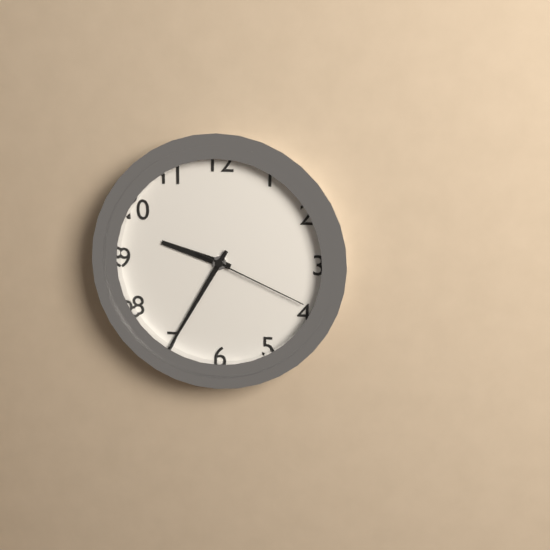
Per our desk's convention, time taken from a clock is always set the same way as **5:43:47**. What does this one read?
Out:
**9:35:19**
